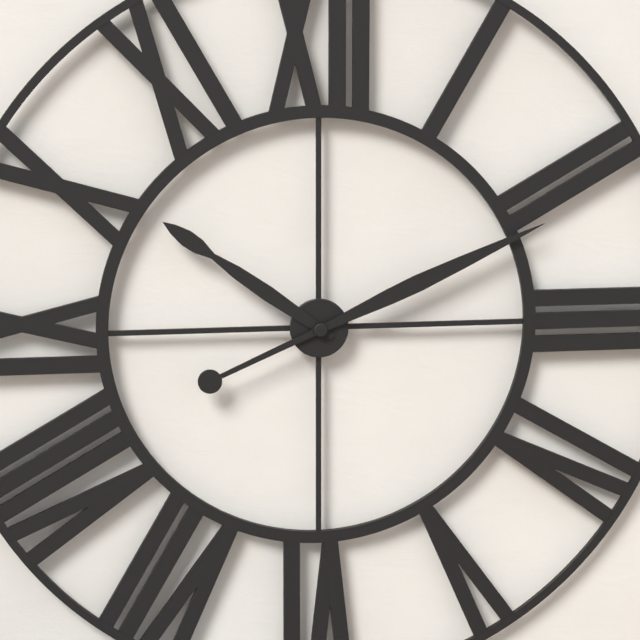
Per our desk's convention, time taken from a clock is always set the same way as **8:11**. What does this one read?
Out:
**10:11**
